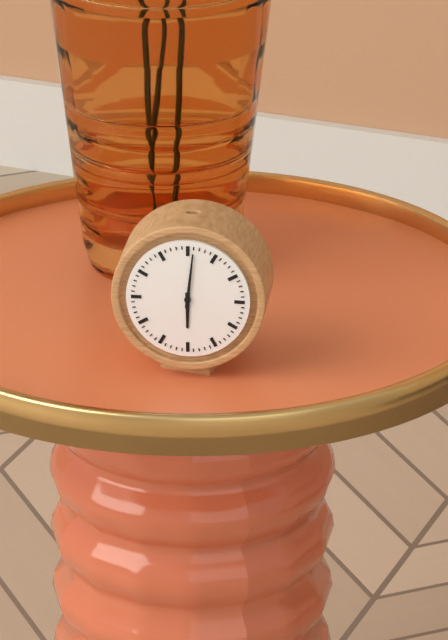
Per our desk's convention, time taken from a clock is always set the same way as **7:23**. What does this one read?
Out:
**6:01**
